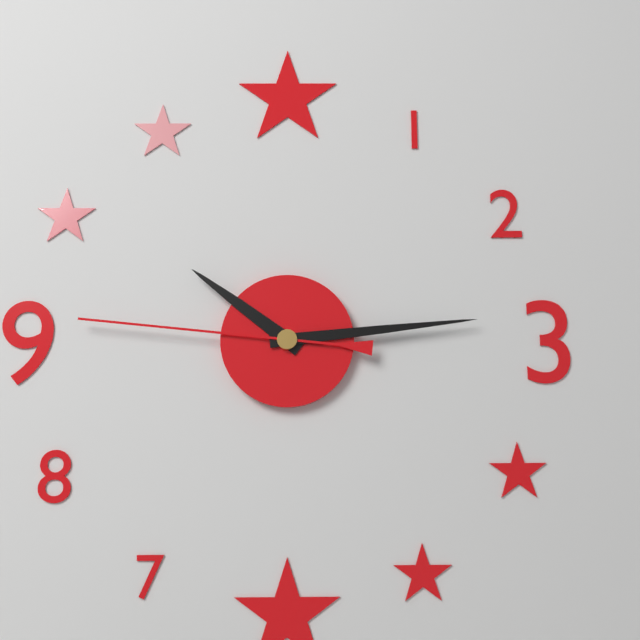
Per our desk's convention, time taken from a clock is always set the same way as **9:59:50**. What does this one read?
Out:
**10:14:46**
